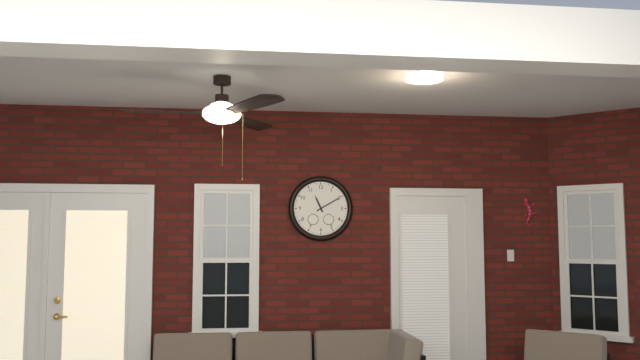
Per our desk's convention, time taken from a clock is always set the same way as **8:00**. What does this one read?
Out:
**11:10**
